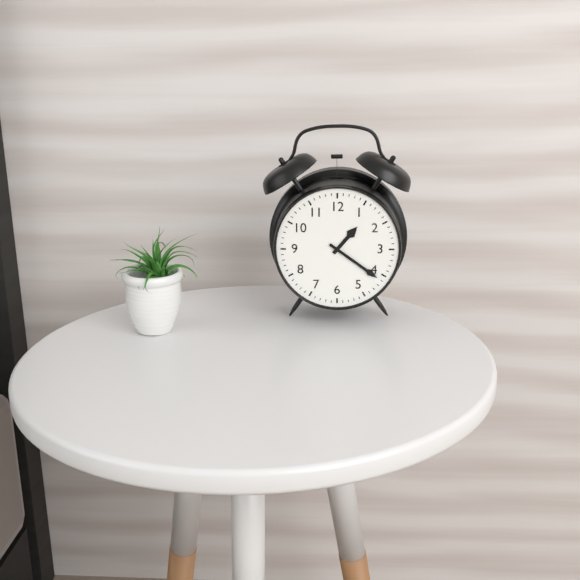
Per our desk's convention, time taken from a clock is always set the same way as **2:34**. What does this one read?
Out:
**1:21**
